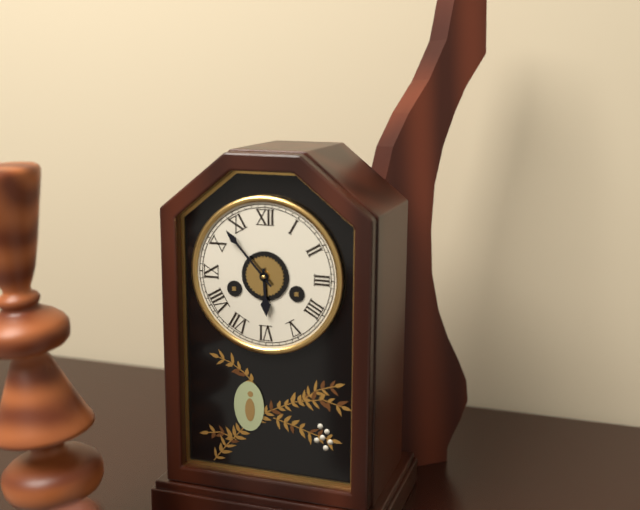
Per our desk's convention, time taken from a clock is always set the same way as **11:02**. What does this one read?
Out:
**5:53**
